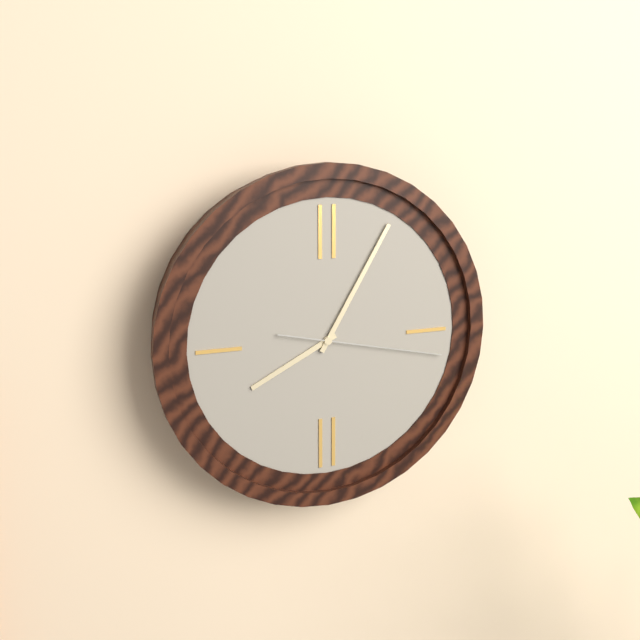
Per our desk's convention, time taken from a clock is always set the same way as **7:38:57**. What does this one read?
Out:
**8:05:17**
